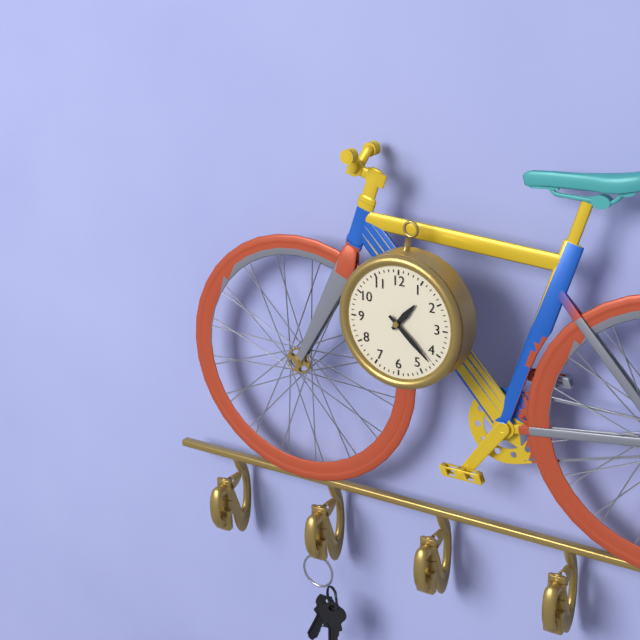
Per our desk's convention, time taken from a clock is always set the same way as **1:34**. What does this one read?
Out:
**1:22**
